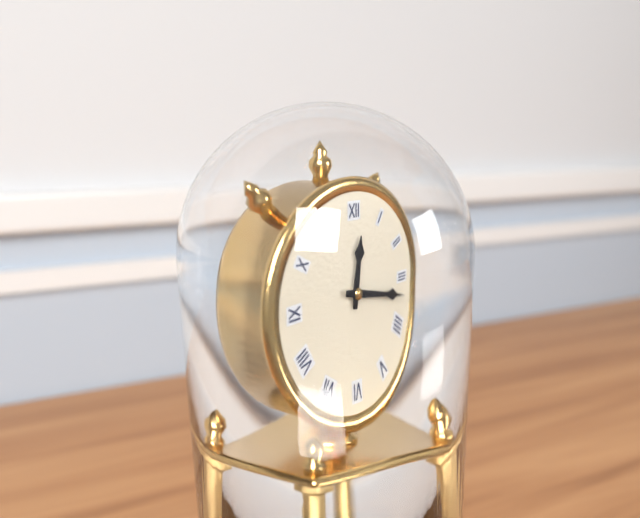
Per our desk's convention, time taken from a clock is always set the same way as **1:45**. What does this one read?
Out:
**12:17**
